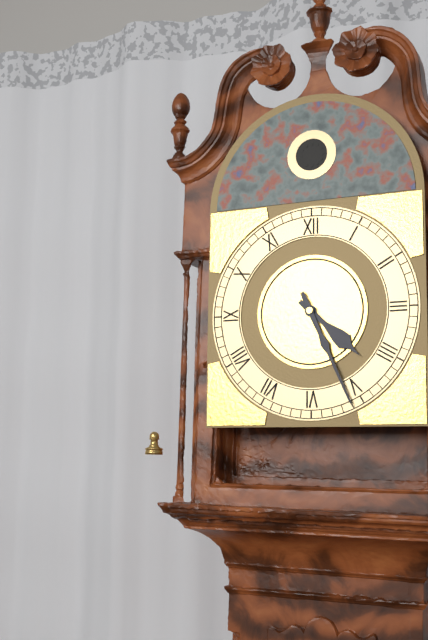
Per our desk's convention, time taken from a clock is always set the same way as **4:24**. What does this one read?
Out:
**4:26**
